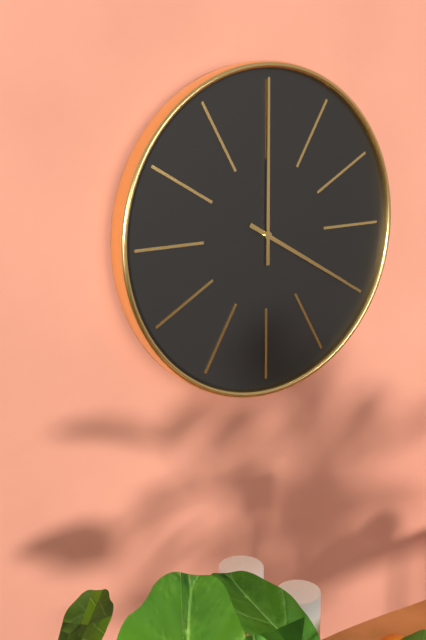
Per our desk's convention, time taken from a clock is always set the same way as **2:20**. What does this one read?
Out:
**4:00**
